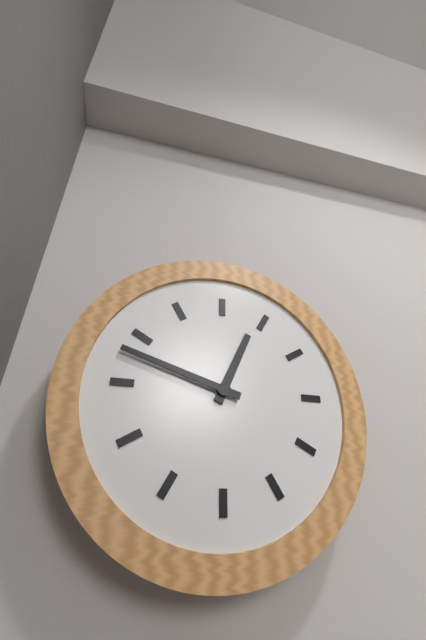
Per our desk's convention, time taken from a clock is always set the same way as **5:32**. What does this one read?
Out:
**12:48**
